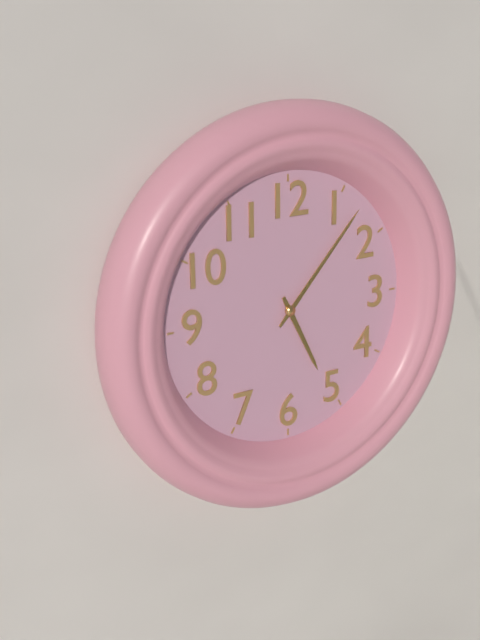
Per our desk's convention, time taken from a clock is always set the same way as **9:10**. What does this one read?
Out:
**5:07**
